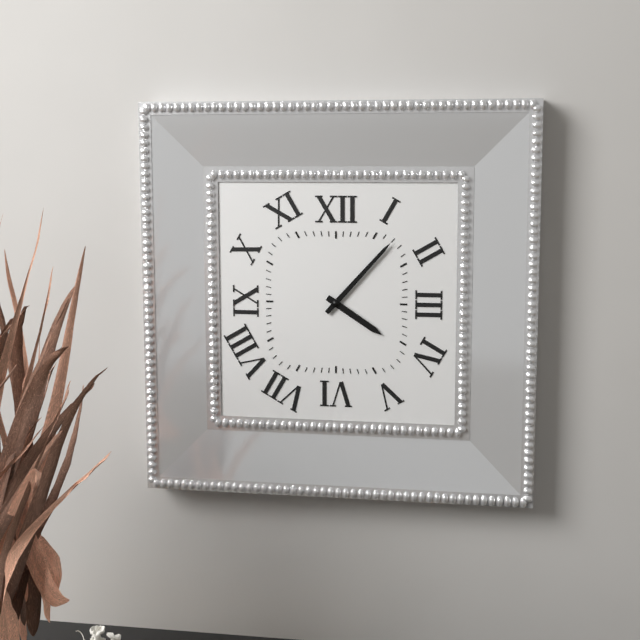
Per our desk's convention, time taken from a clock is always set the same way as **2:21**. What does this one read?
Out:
**4:07**
